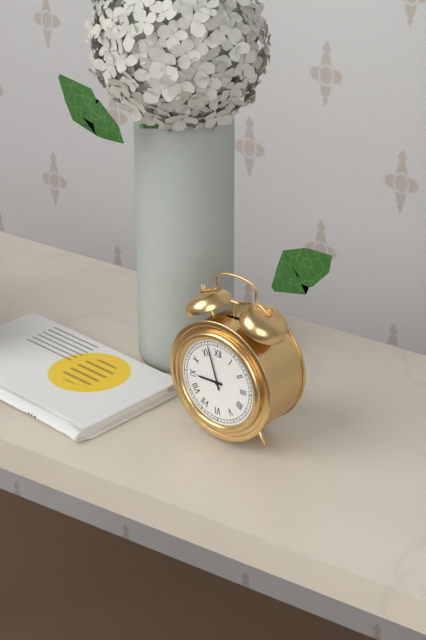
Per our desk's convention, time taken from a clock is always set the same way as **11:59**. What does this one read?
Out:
**8:57**
